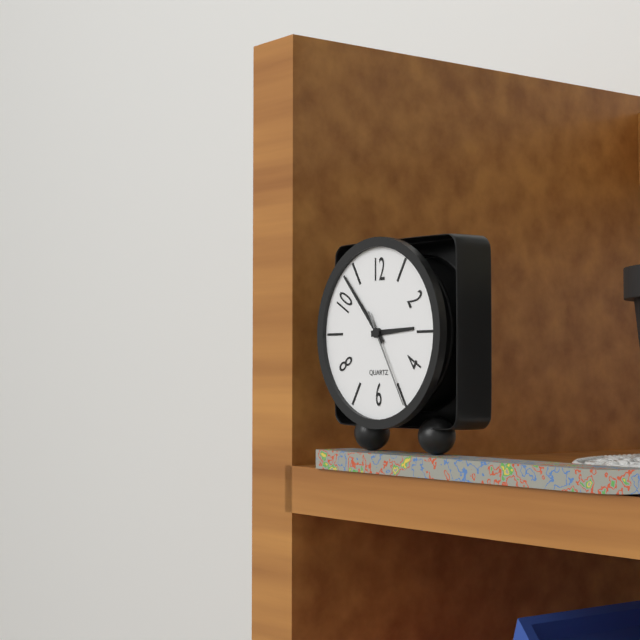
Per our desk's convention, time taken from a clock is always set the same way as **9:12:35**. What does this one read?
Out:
**2:53:25**
